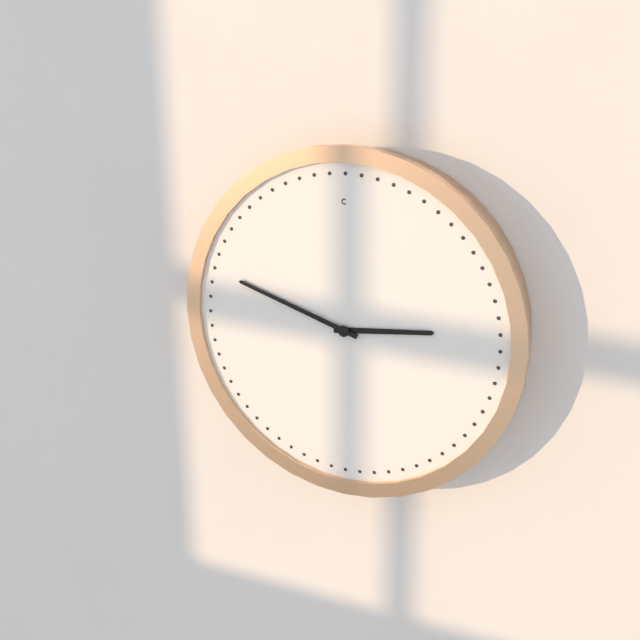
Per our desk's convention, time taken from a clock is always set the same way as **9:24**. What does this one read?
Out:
**2:48**
